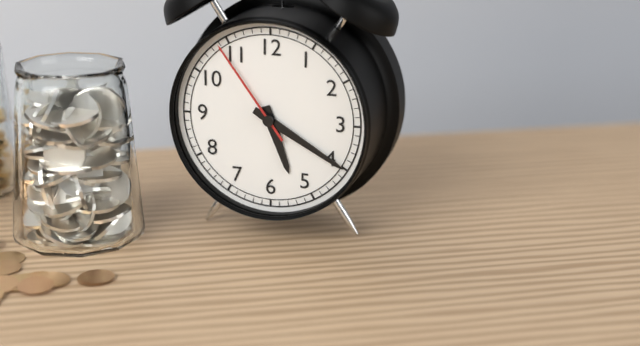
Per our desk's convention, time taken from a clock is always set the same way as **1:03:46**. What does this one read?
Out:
**5:20:54**
